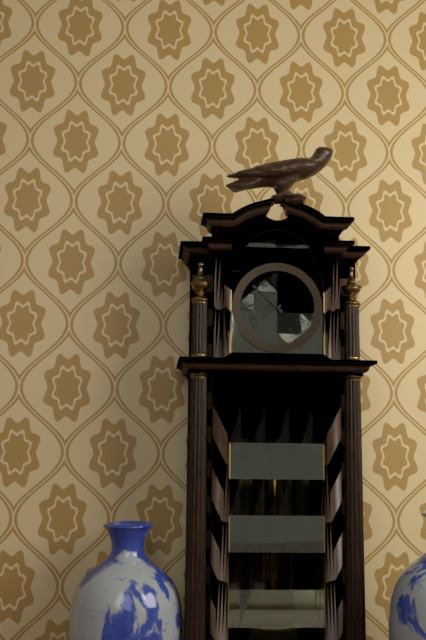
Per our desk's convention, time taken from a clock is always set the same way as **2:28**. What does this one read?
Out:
**7:52**
